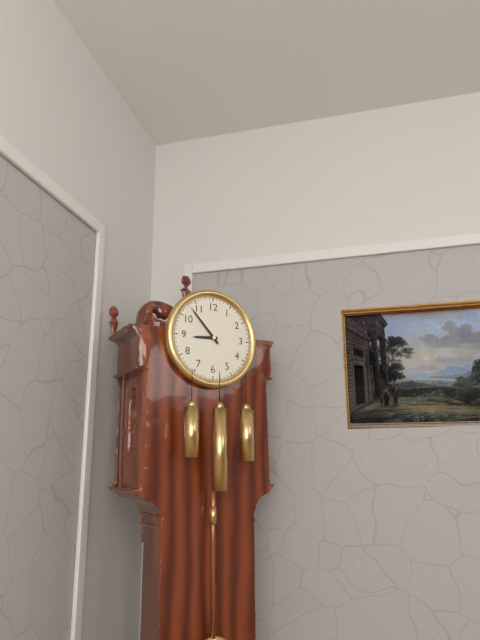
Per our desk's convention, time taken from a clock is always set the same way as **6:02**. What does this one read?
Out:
**8:53**
